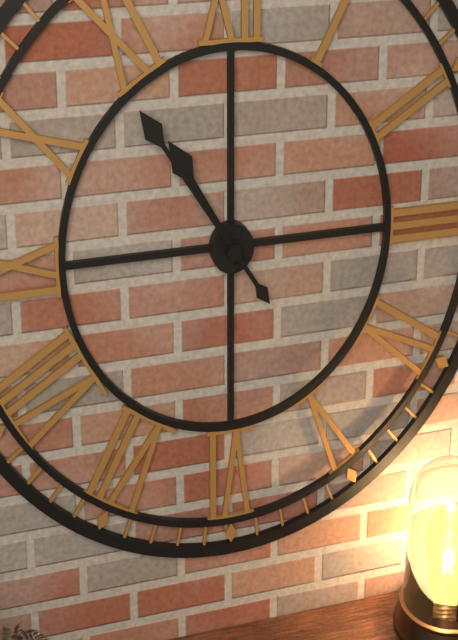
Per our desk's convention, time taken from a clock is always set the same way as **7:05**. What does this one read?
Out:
**10:54**
